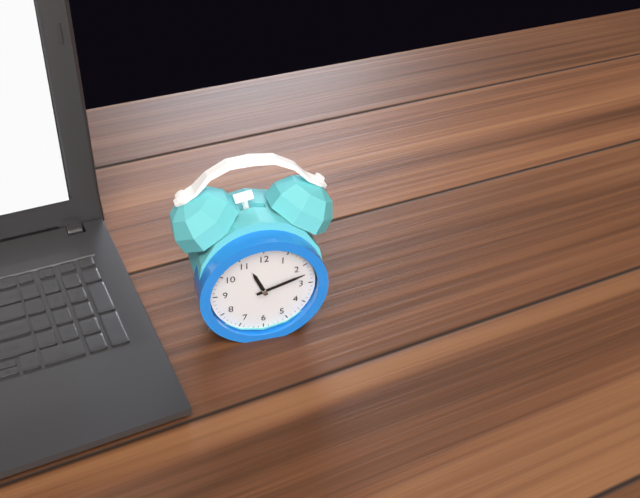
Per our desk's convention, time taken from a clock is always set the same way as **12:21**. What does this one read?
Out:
**11:12**
